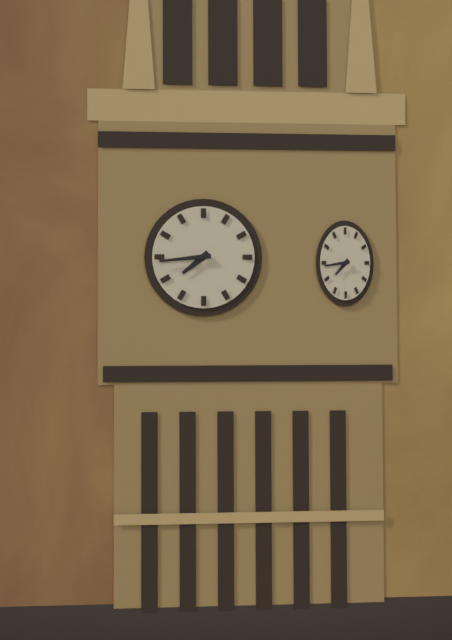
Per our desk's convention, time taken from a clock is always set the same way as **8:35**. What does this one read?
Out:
**7:44**
